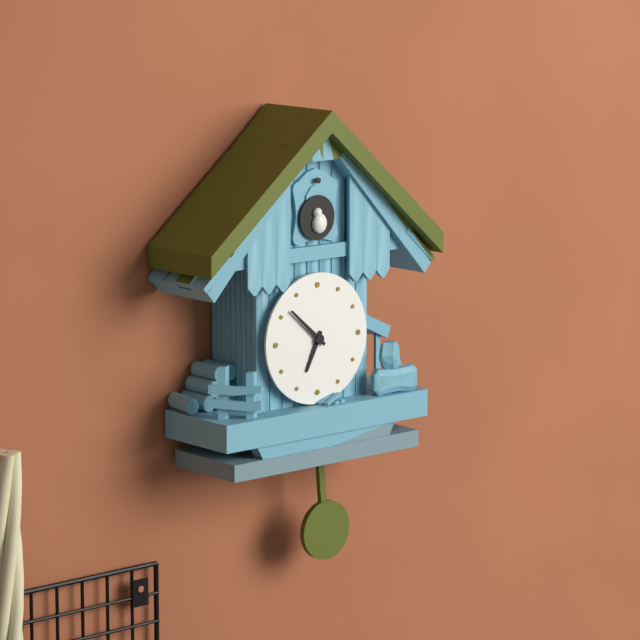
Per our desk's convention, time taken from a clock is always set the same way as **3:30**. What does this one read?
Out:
**6:52**
